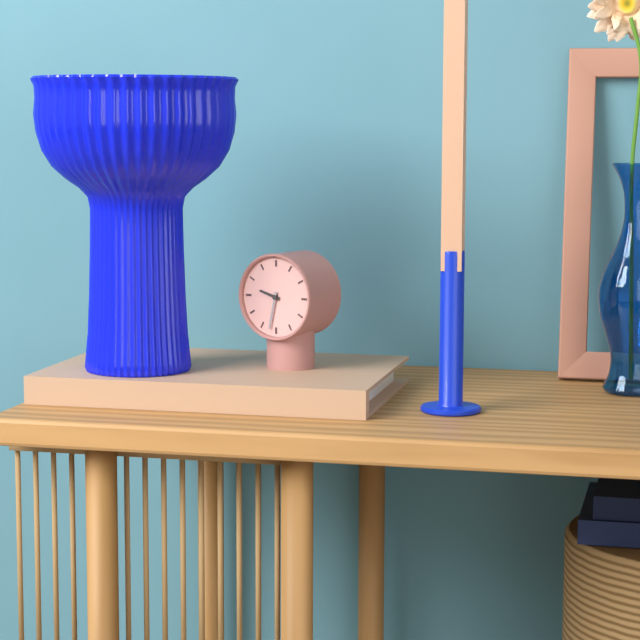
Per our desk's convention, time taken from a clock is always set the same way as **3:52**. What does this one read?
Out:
**9:32**
